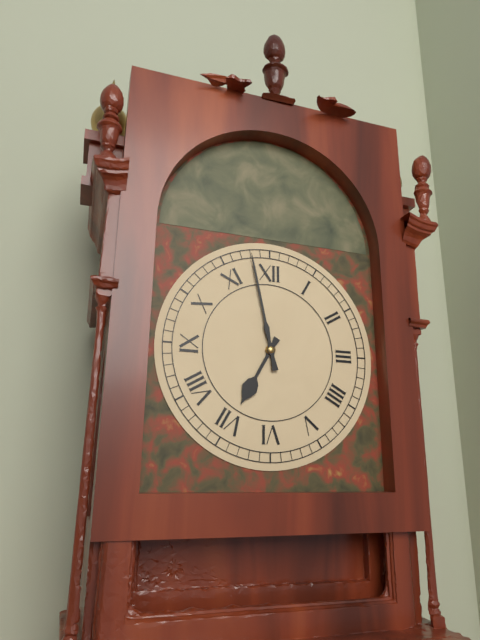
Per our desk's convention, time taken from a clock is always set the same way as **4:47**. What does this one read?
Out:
**6:58**
